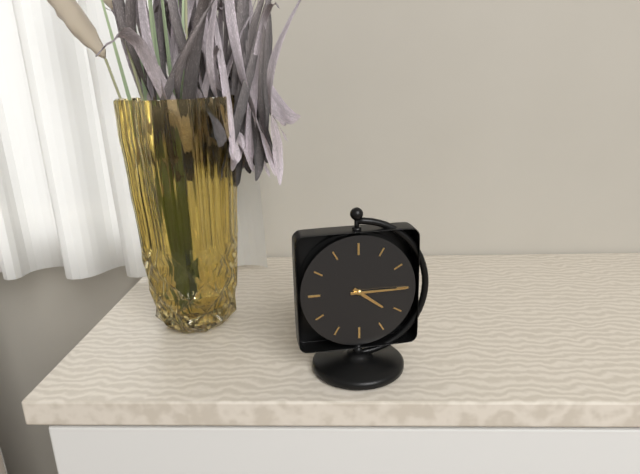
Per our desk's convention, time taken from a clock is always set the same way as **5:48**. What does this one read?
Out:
**4:15**
